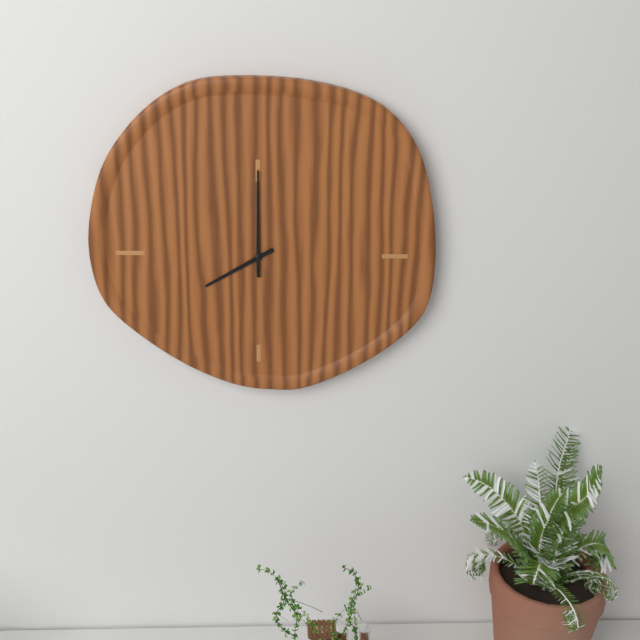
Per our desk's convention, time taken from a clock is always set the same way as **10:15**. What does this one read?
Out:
**8:00**
